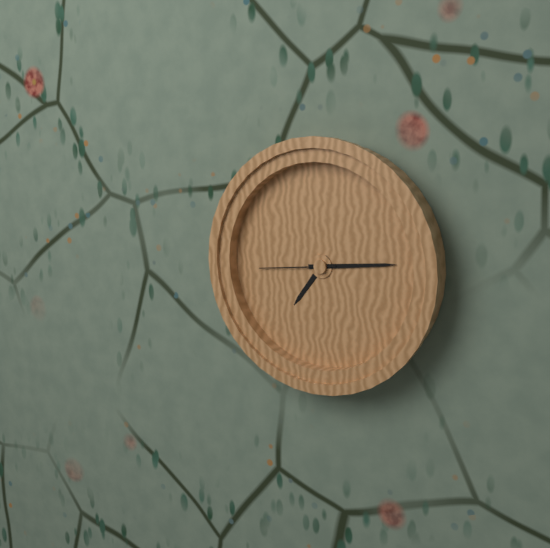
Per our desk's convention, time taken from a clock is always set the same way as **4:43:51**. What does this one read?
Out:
**7:14:44**
